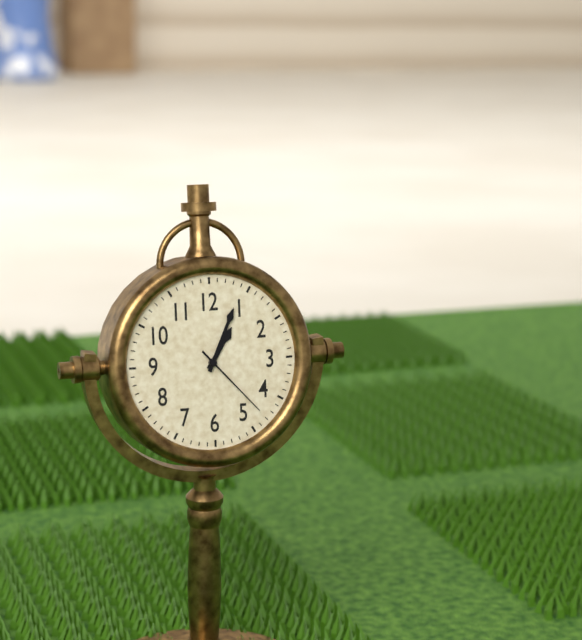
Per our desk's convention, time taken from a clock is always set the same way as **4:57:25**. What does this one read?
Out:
**1:04:23**
